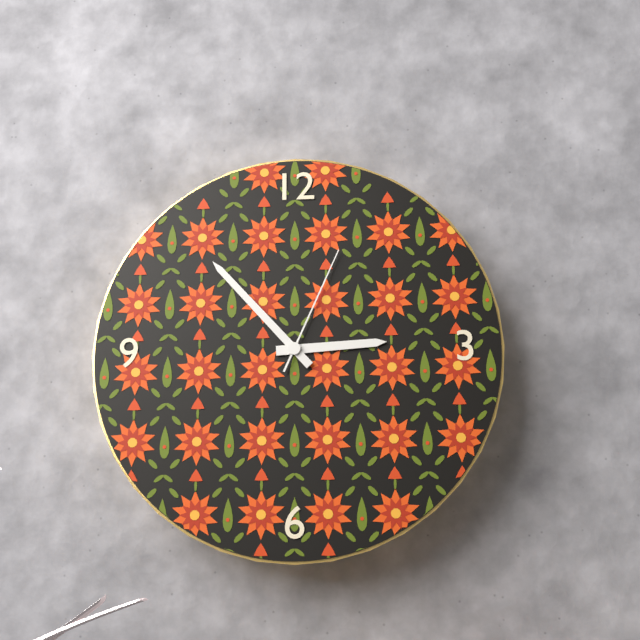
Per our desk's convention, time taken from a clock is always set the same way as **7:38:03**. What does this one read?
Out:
**2:53:04**
